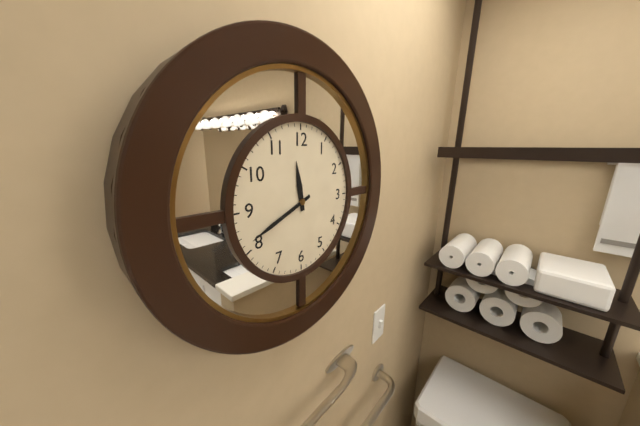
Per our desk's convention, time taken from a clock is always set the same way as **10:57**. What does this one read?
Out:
**11:41**
